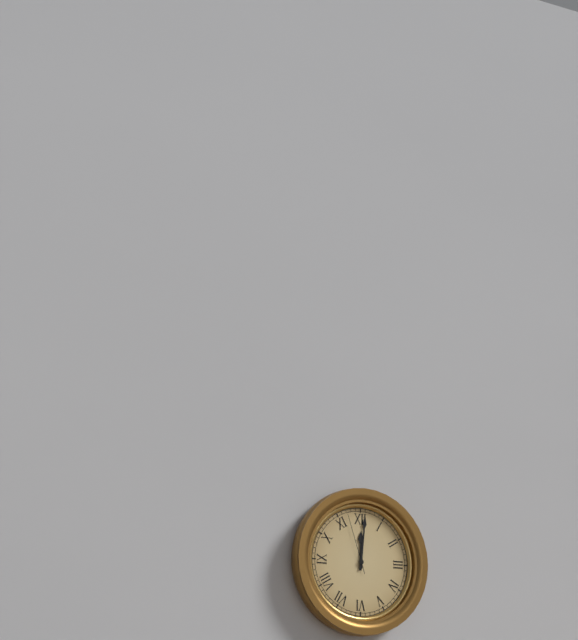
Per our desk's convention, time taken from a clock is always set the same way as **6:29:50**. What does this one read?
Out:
**12:01:57**
